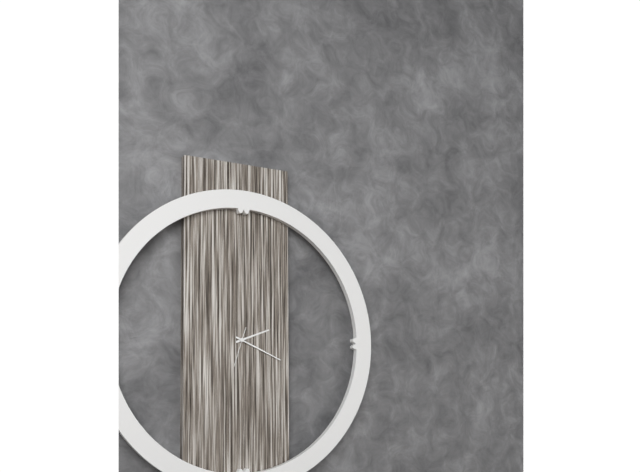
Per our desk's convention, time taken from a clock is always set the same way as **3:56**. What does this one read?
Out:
**2:19**
